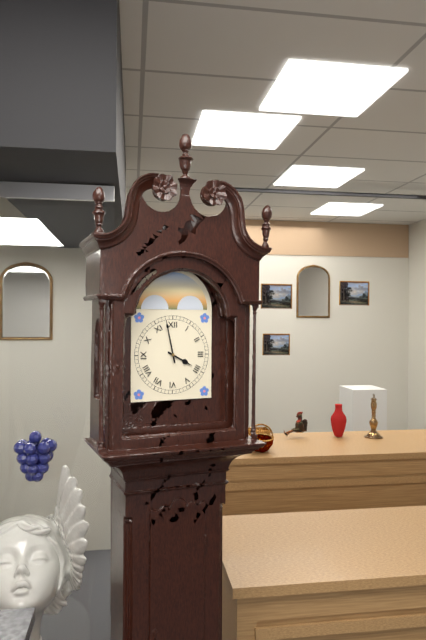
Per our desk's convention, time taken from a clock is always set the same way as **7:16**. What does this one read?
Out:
**3:58**
